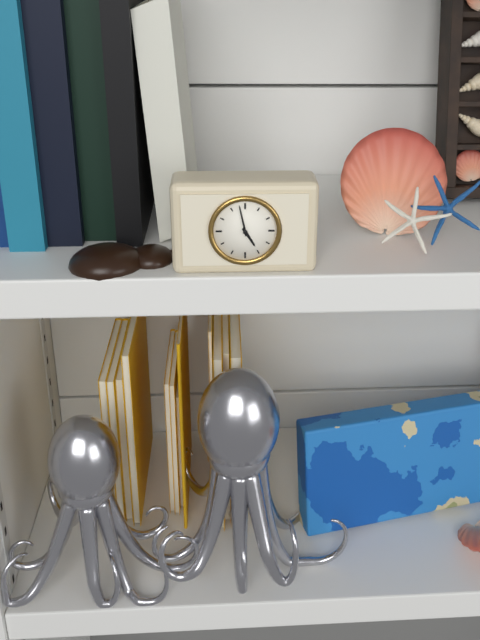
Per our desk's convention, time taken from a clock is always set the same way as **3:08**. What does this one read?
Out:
**4:58**
